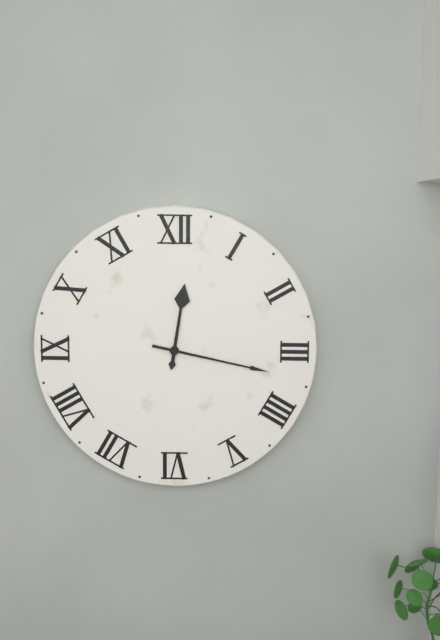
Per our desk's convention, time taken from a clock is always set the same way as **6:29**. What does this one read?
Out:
**12:17**
